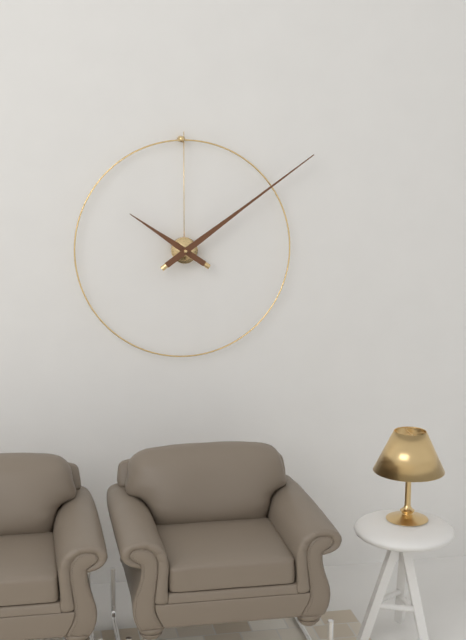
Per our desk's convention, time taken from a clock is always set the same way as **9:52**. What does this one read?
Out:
**10:09**
